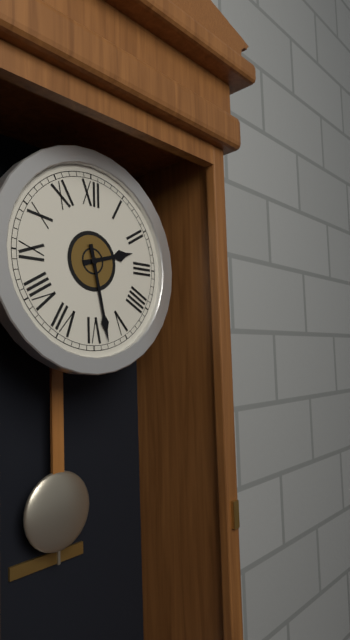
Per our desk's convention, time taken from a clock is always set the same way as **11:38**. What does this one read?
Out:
**2:28**
